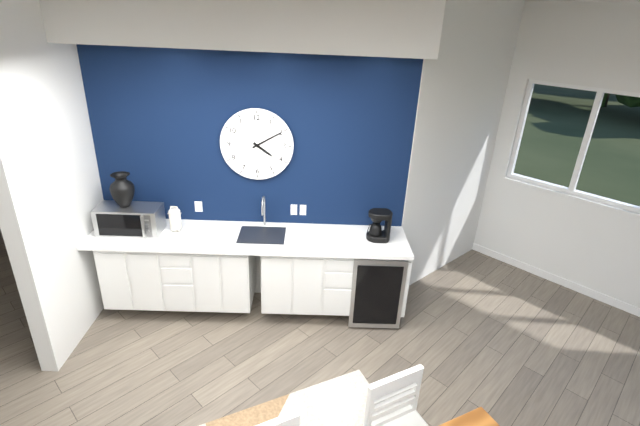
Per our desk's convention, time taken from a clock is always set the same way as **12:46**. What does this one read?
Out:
**4:10**
